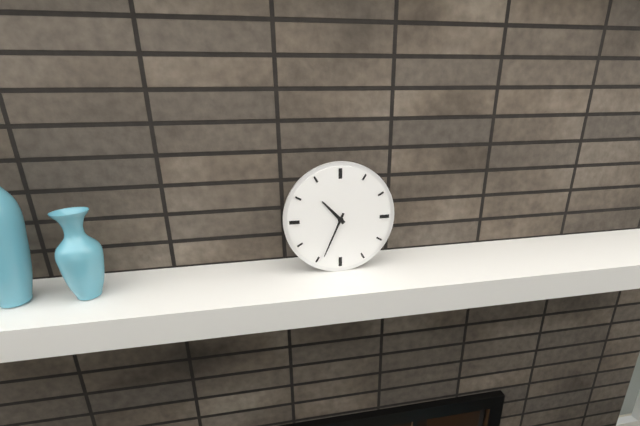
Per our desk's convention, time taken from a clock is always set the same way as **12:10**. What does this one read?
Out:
**10:34**
